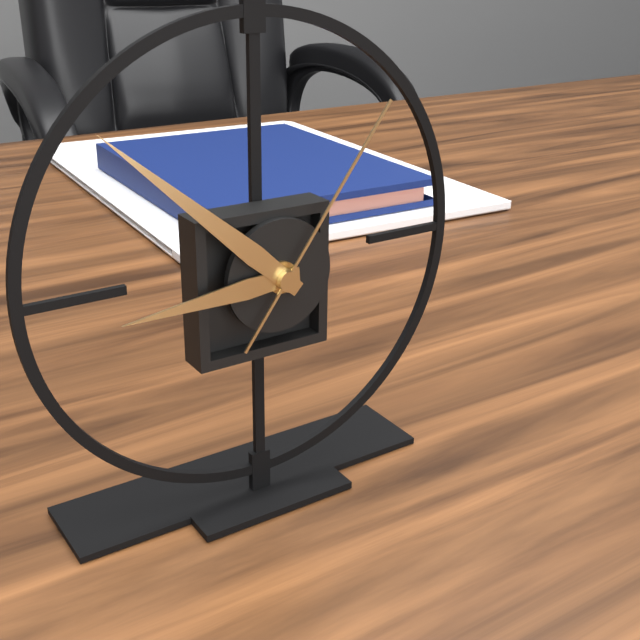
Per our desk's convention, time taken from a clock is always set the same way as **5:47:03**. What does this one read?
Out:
**8:52:06**
